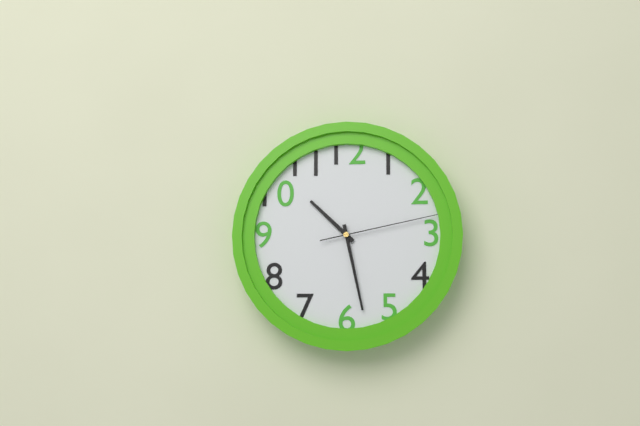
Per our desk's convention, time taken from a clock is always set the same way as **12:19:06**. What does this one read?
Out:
**10:28:13**
